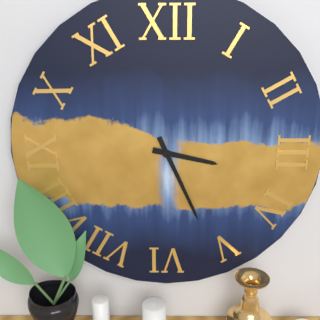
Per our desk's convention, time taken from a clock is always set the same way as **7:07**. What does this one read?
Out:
**3:26**
